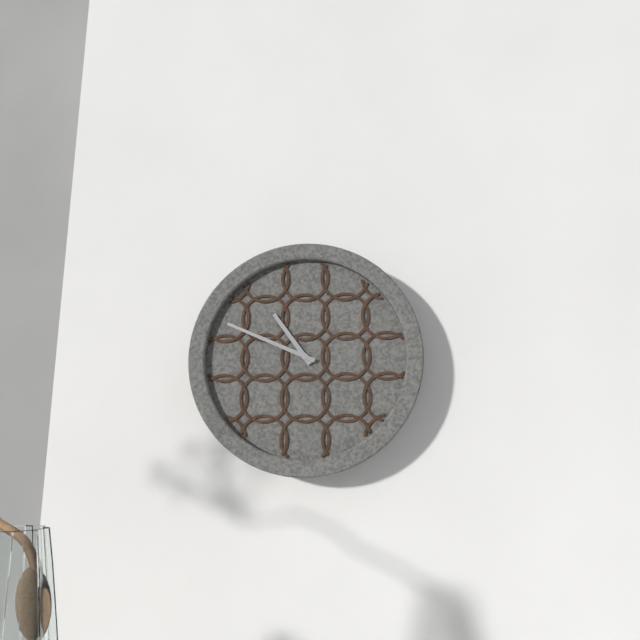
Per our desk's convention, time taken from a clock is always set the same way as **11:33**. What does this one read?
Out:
**10:49**
